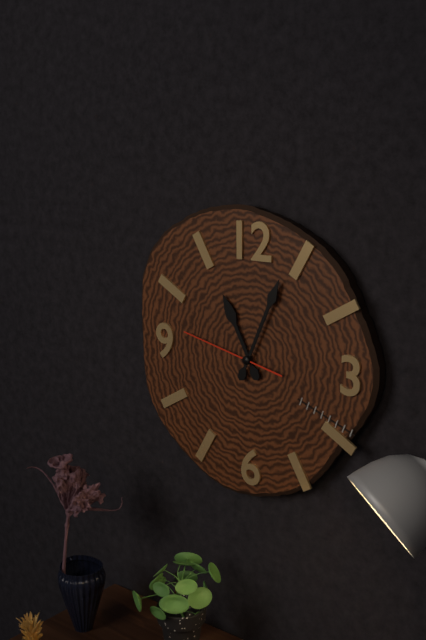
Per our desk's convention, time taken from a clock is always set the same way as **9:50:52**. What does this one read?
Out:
**11:04:47**
